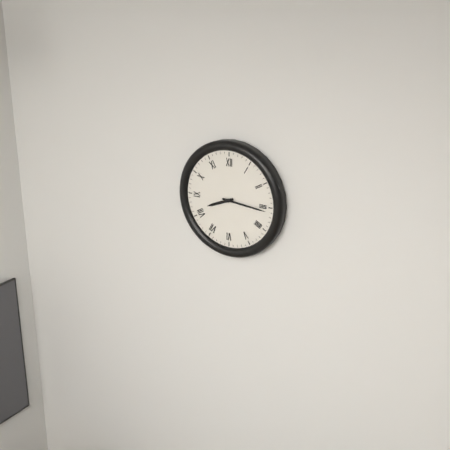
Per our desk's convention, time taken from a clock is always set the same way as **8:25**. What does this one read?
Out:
**8:16**
